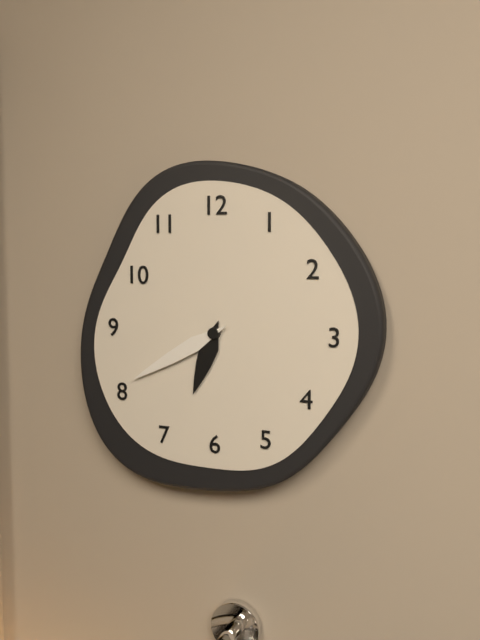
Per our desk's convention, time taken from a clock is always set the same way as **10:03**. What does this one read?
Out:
**6:40**
